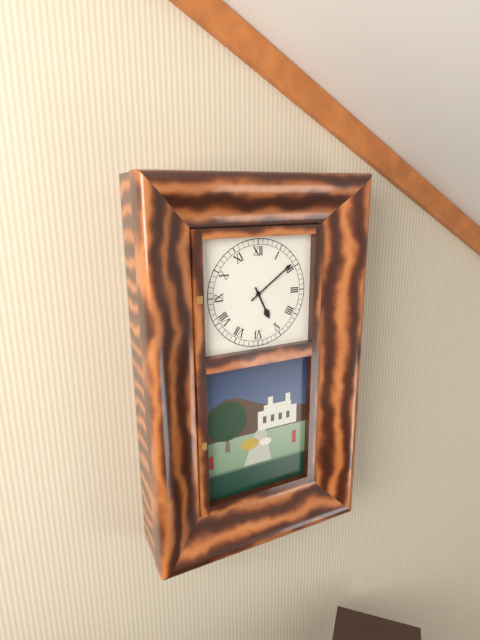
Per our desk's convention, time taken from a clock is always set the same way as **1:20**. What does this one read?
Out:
**5:09**
